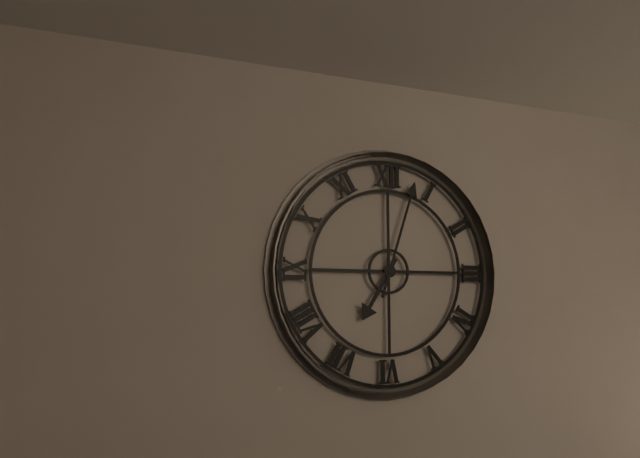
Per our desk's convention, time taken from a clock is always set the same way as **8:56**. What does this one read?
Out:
**7:03**
